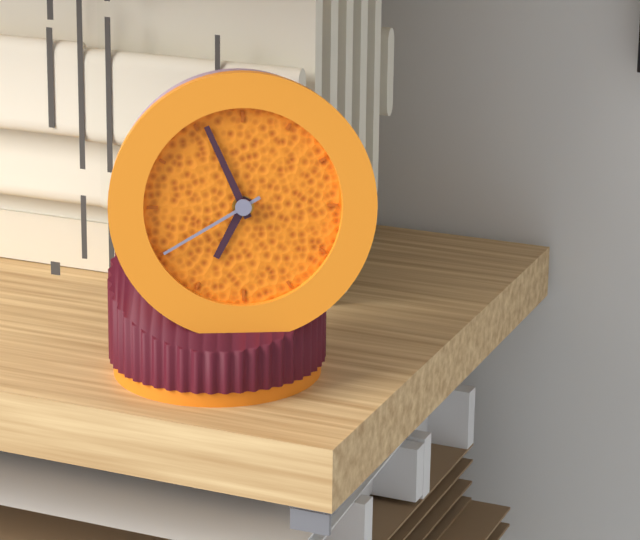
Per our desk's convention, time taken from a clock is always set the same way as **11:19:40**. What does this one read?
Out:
**6:56:40**
